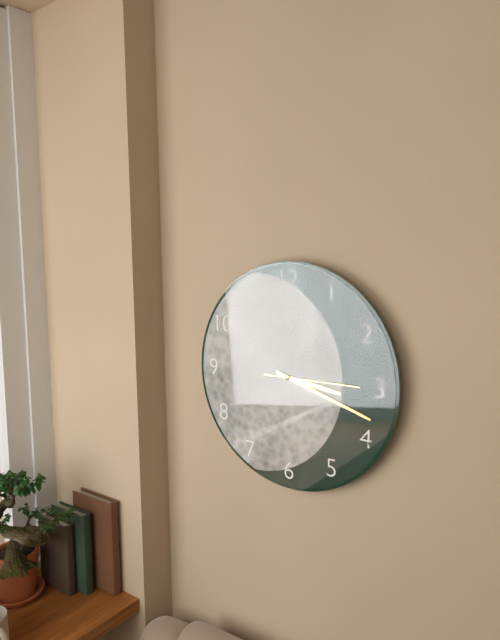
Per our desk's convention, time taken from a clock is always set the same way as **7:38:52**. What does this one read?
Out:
**3:18:15**
